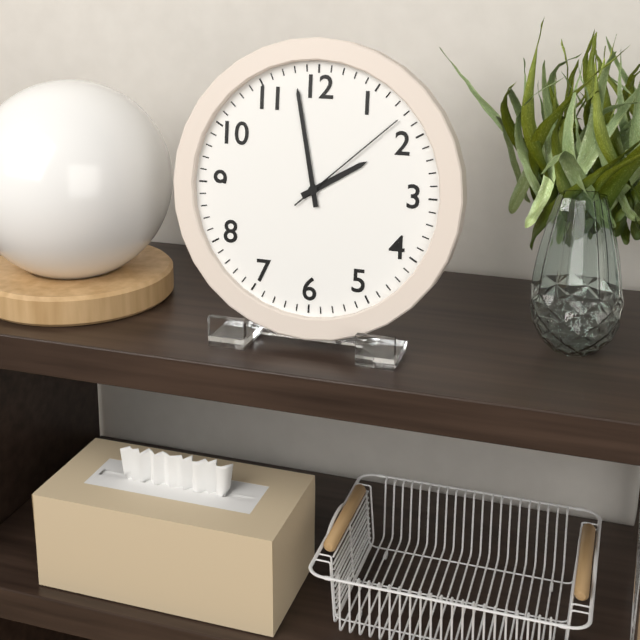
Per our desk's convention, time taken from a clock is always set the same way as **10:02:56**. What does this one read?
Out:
**1:58:08**
